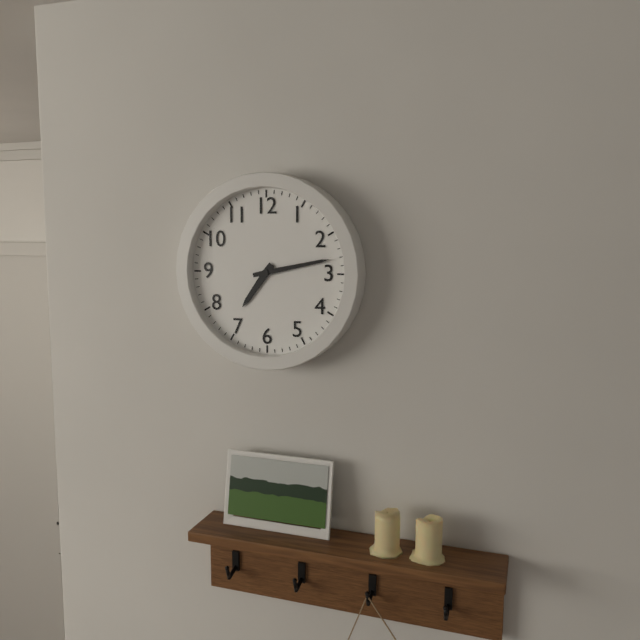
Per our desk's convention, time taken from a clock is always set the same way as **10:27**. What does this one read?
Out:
**7:13**
